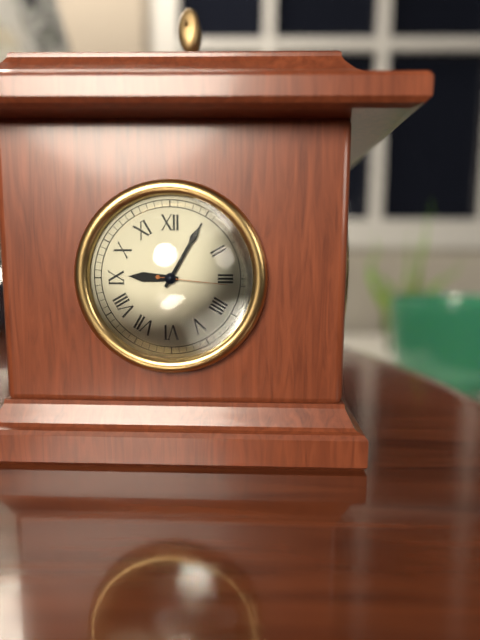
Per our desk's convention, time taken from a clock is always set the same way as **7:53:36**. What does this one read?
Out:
**9:05:16**
